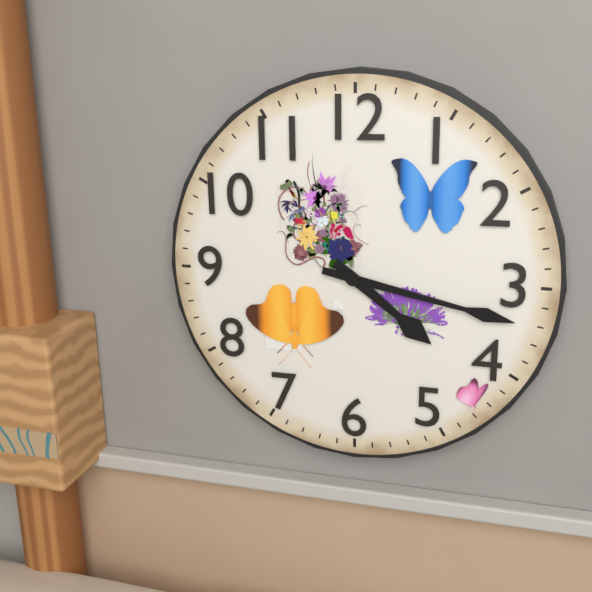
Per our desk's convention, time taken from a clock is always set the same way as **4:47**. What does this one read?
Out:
**4:17**
